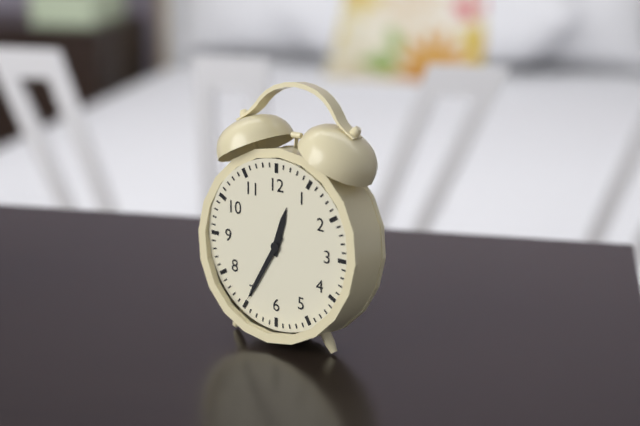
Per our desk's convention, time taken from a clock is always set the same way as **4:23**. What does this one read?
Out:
**12:35**
